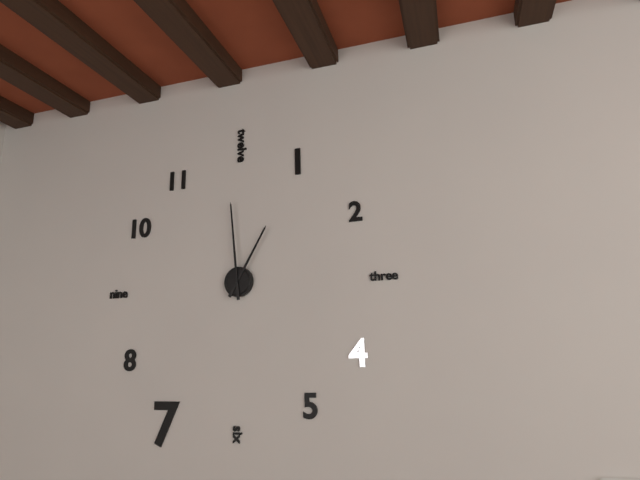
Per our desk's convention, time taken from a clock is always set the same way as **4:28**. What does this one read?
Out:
**12:59**
